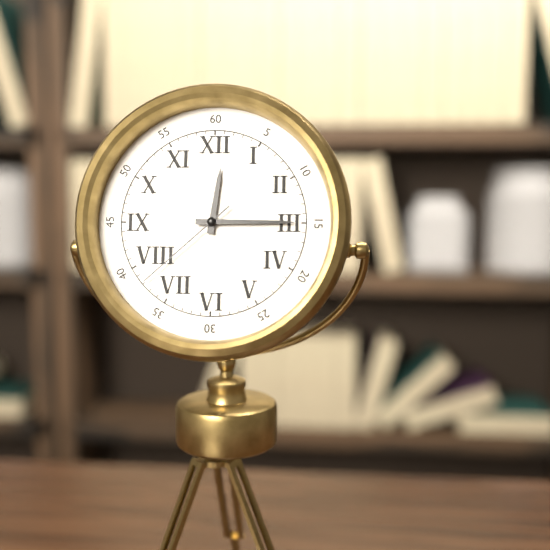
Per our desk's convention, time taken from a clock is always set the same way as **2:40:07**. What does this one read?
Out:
**12:15:38**
